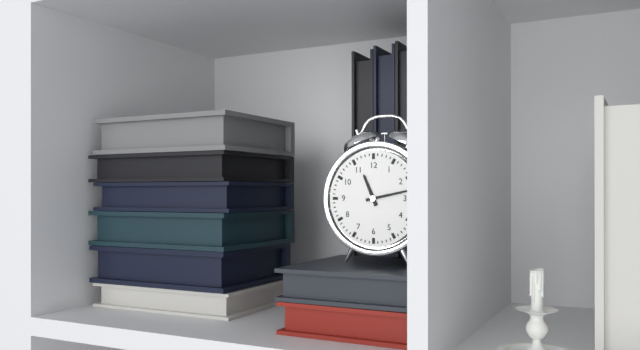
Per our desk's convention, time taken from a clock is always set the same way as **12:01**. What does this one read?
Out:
**11:13**
